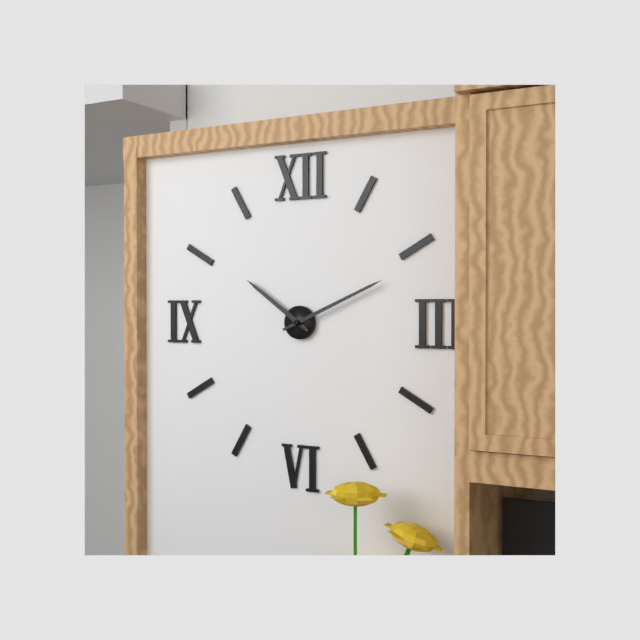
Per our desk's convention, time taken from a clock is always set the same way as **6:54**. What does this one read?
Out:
**10:11**
